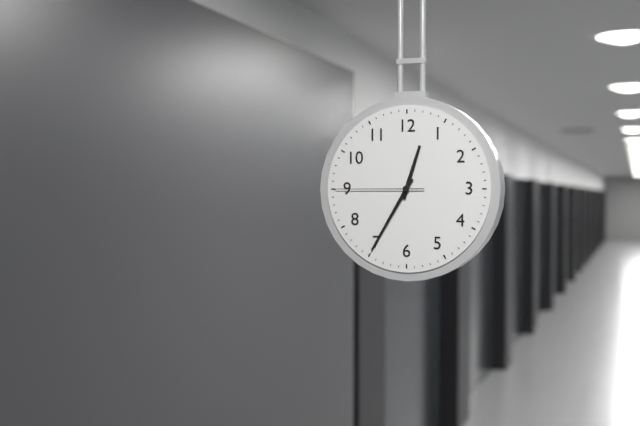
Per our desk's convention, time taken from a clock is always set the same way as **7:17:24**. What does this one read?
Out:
**12:35:45**
